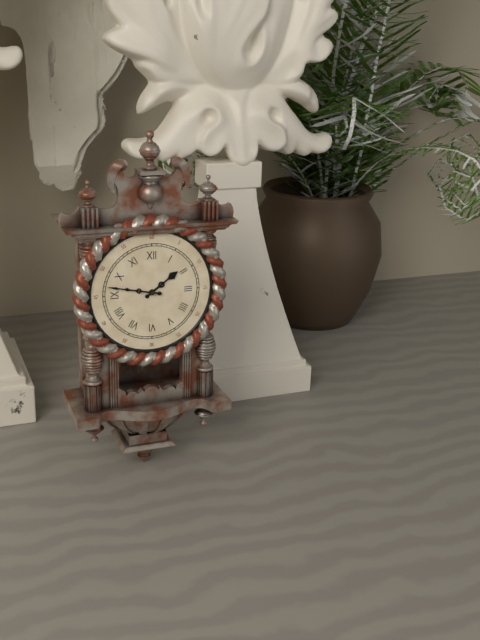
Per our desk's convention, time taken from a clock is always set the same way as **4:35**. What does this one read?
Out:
**1:47**
